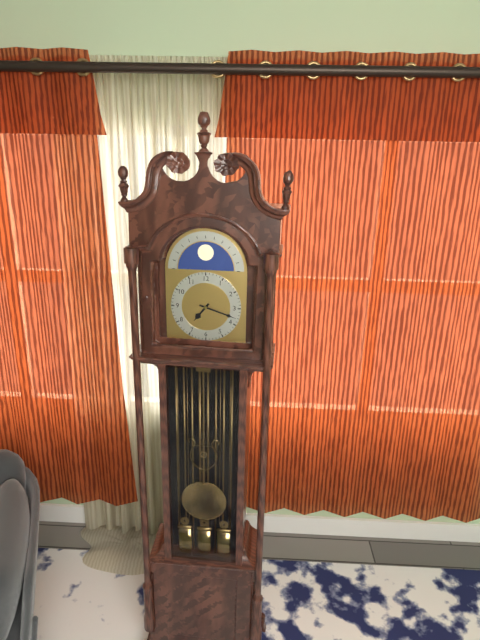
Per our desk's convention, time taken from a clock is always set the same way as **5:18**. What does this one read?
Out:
**7:18**
